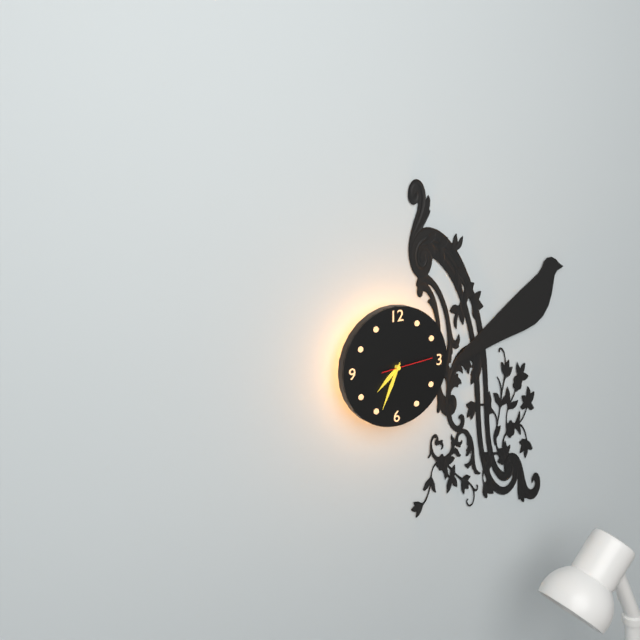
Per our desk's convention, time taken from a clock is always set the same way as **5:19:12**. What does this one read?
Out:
**7:34:14**
